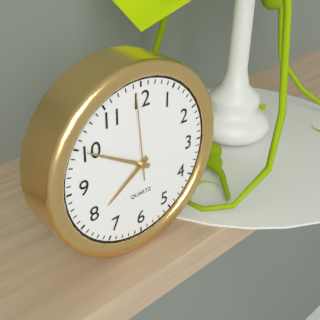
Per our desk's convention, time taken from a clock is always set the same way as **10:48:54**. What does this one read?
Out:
**7:50:59**
